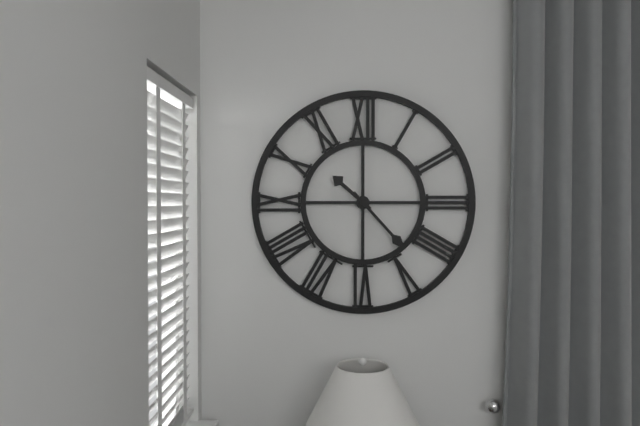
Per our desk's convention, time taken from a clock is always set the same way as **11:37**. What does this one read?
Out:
**10:23**
